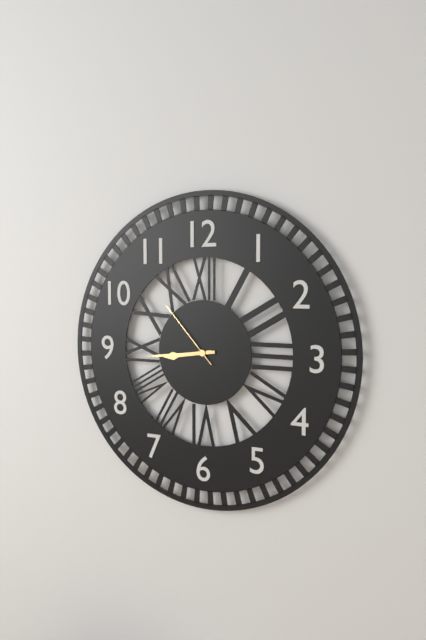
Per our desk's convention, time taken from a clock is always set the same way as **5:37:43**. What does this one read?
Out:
**8:44:53**
